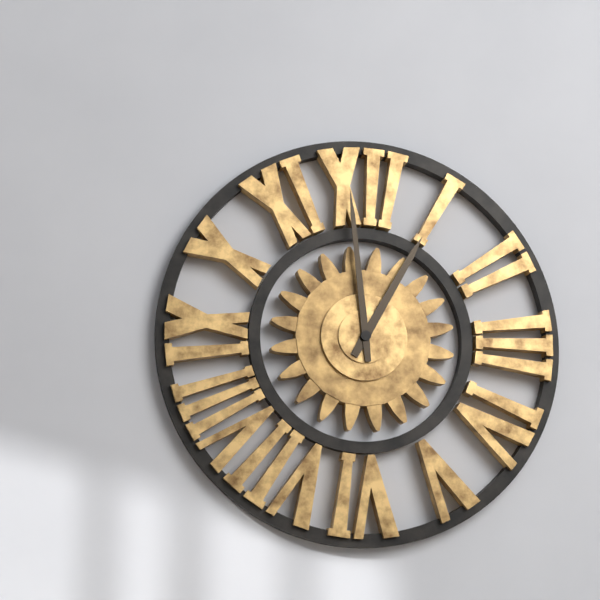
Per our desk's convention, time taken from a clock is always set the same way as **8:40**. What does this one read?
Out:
**12:59**
